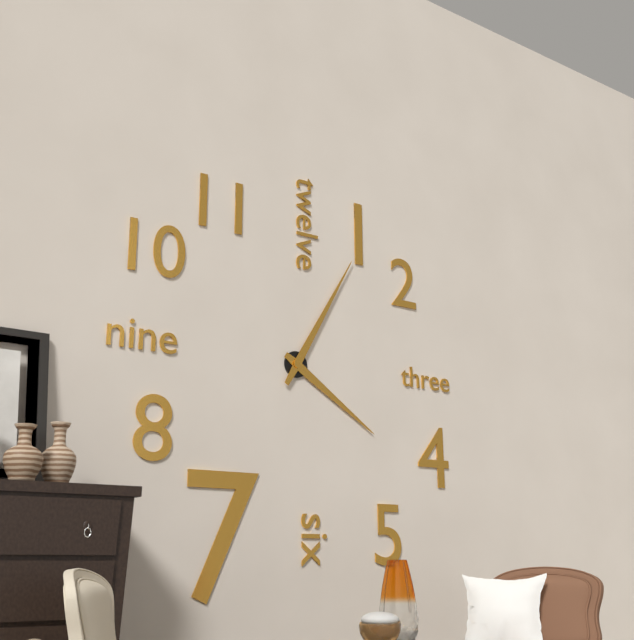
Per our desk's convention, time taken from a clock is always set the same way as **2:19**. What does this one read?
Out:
**4:05**
